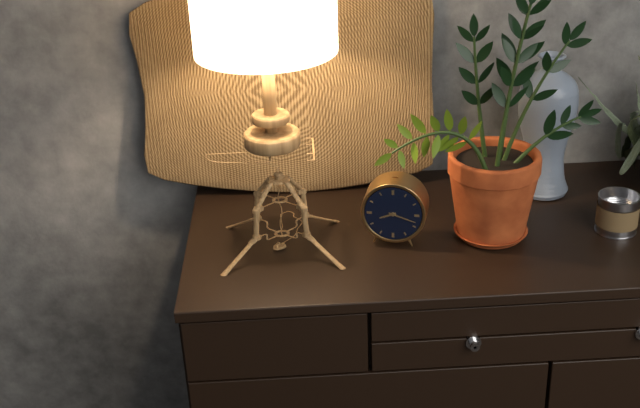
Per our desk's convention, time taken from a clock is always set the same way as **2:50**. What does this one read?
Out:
**8:18**
